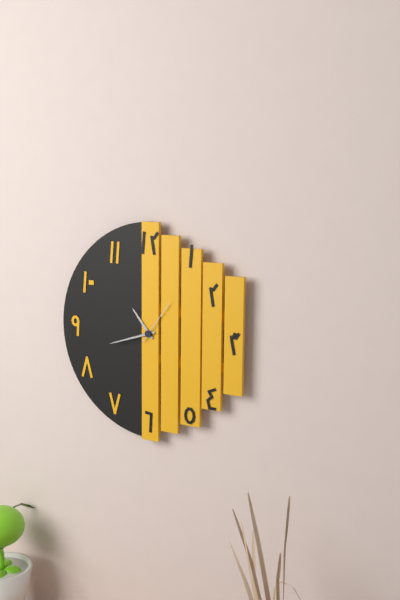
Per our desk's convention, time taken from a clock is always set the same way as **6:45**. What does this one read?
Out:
**10:42**
